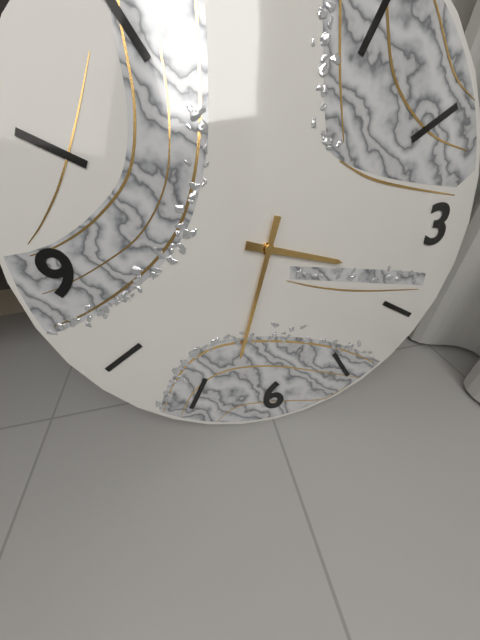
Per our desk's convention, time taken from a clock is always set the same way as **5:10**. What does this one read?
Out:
**3:33**
